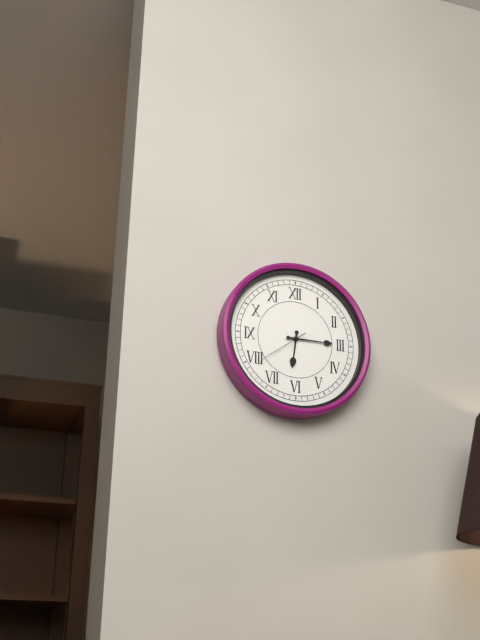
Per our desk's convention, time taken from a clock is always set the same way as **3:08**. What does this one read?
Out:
**6:15**
